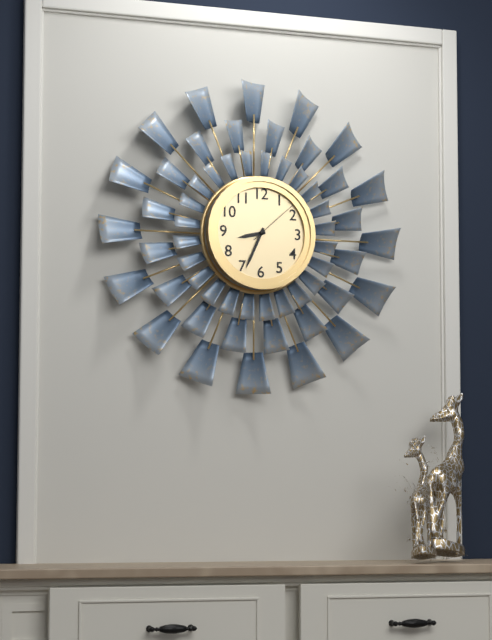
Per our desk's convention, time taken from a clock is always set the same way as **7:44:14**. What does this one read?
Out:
**8:34:08**
